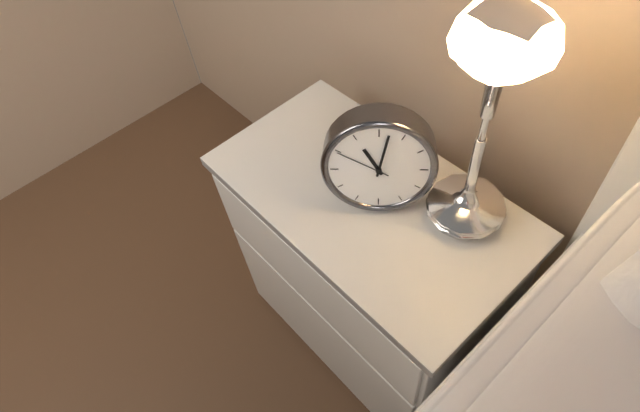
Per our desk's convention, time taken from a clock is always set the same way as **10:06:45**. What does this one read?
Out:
**11:02:50**
